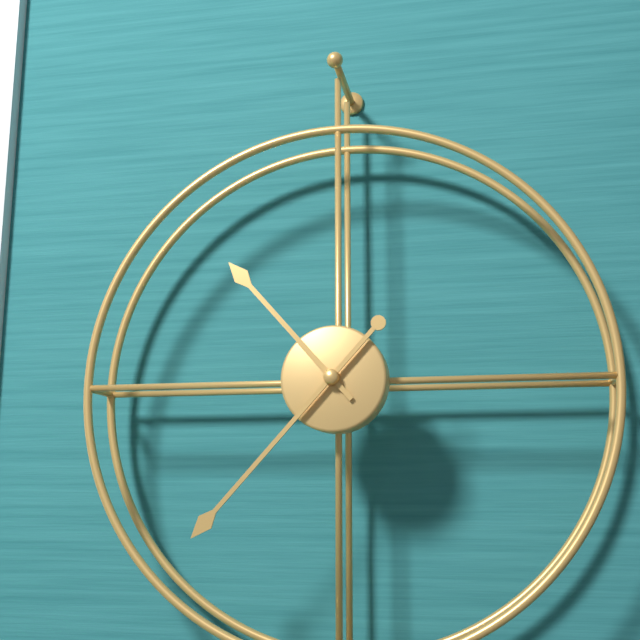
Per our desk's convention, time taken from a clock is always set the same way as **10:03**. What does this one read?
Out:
**10:37**
